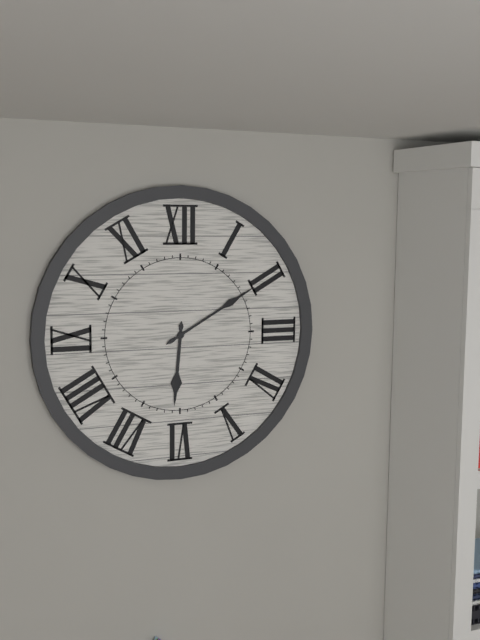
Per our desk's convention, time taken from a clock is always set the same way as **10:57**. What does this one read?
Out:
**6:10**
